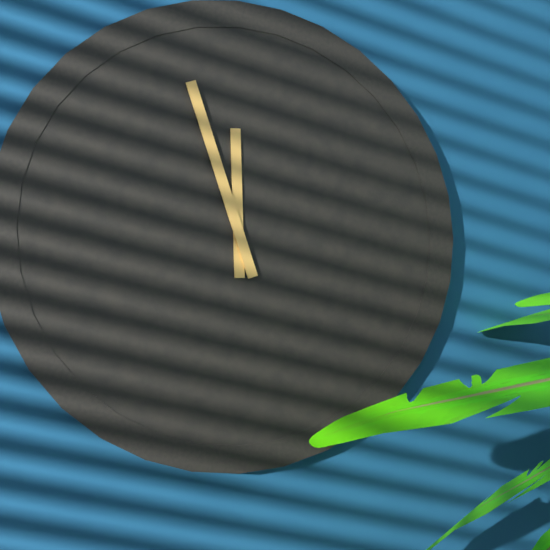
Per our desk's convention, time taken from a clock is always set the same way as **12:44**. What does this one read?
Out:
**11:57**
